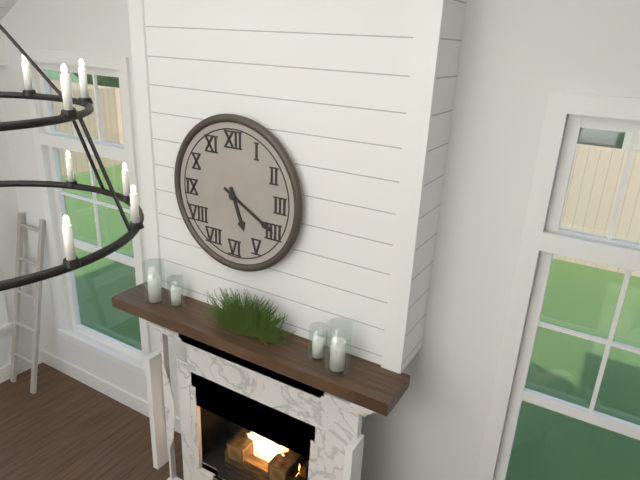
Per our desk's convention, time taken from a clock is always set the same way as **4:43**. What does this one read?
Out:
**5:20**
